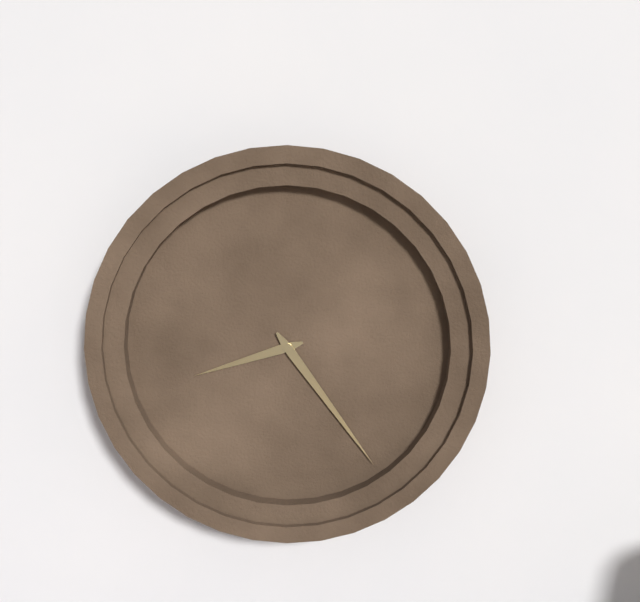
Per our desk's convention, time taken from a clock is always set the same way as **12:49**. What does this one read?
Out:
**8:24**
